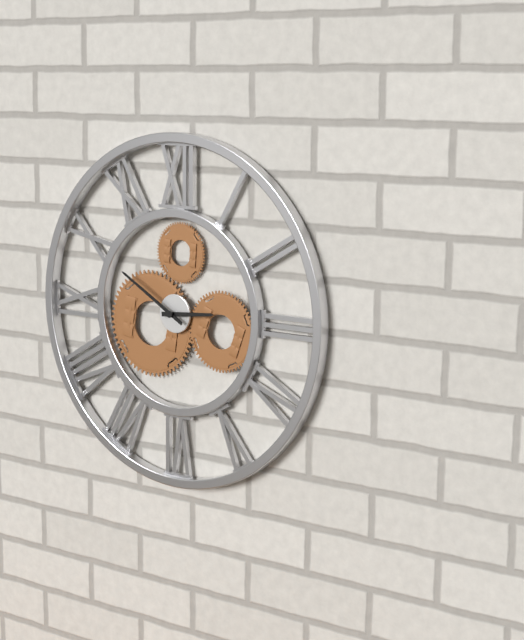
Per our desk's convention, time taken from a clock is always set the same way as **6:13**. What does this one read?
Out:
**2:50**
